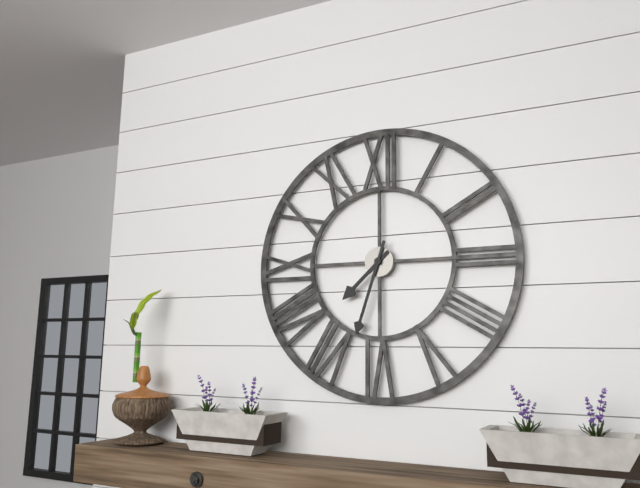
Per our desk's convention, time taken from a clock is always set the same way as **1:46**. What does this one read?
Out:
**7:33**
